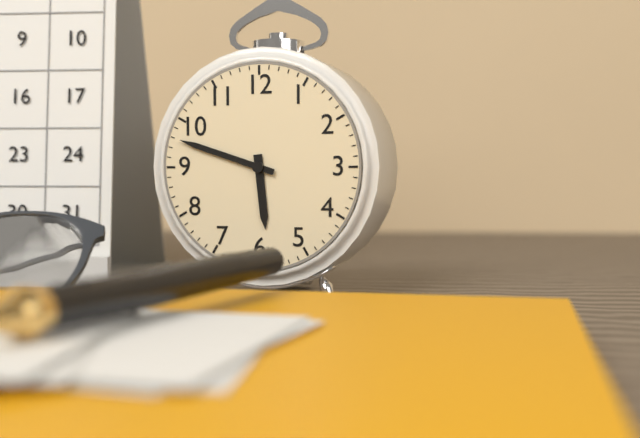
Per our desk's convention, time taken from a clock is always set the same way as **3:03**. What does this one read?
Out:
**5:48**
